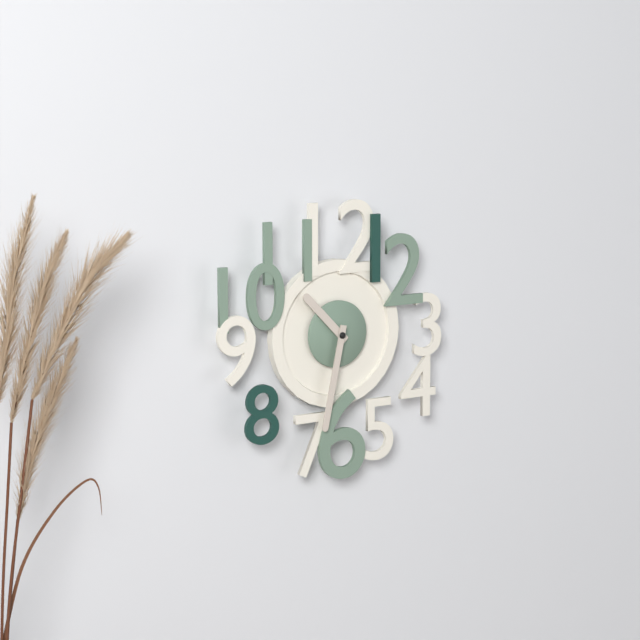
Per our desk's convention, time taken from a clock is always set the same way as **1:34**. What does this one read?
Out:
**10:32**
